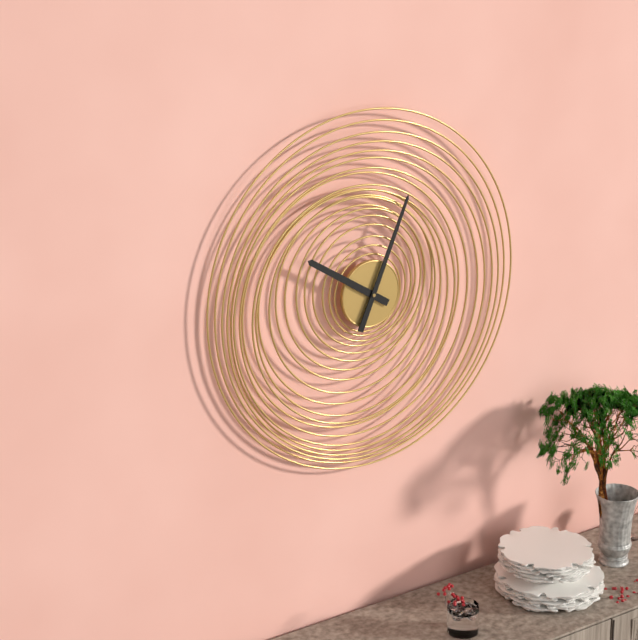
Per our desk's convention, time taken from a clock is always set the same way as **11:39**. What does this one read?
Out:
**10:04**
